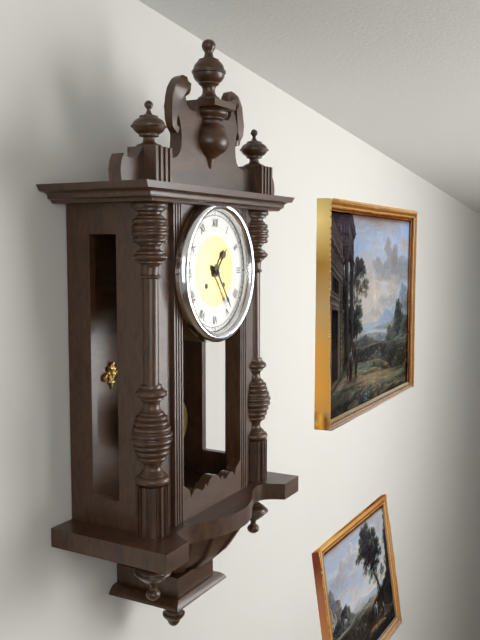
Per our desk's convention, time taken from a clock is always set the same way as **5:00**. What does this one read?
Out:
**1:24**
